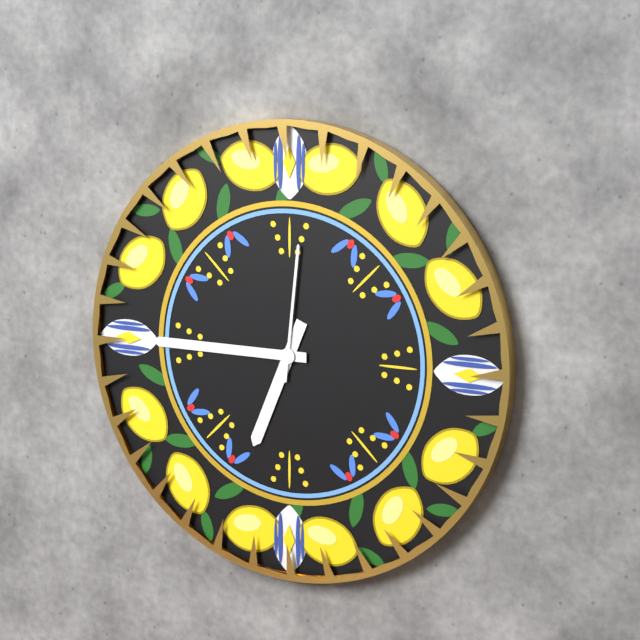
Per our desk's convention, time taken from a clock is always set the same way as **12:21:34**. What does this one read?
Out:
**6:45:01**
